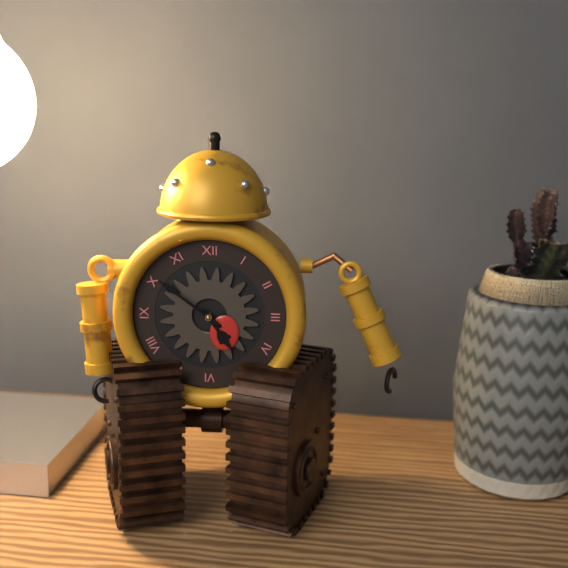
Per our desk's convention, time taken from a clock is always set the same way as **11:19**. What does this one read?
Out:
**4:51**
